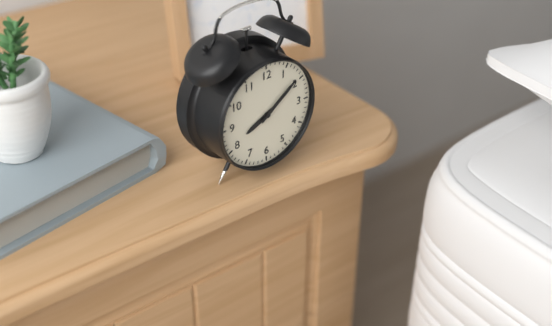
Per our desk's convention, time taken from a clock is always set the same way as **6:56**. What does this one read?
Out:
**8:09**
